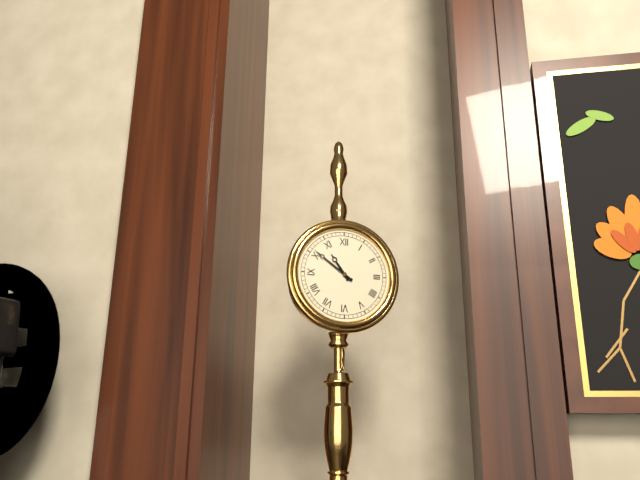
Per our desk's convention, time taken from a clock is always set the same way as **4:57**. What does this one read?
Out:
**10:51**
